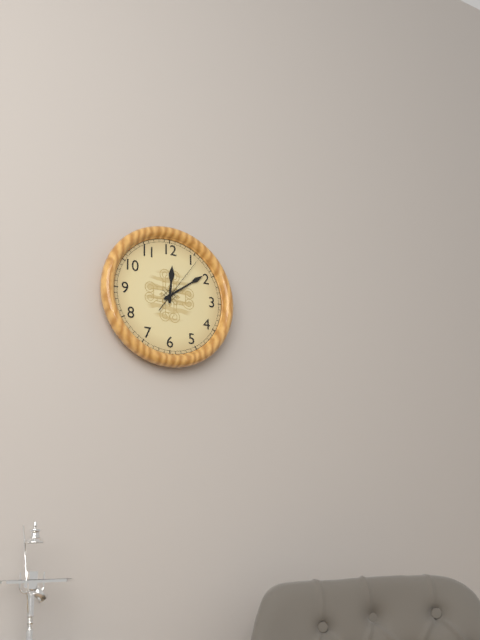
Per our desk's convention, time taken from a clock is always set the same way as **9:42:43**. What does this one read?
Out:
**12:09:06**
